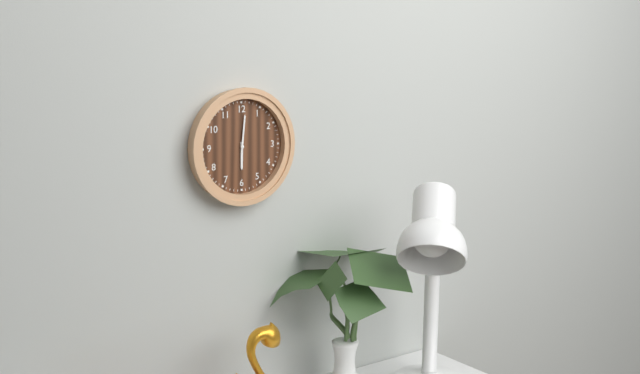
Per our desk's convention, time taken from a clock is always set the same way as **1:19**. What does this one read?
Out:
**6:01**
